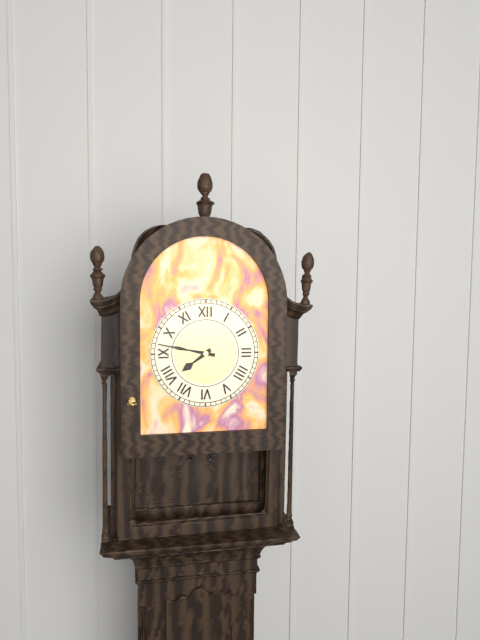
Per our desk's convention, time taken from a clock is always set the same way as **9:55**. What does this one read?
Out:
**7:47**
